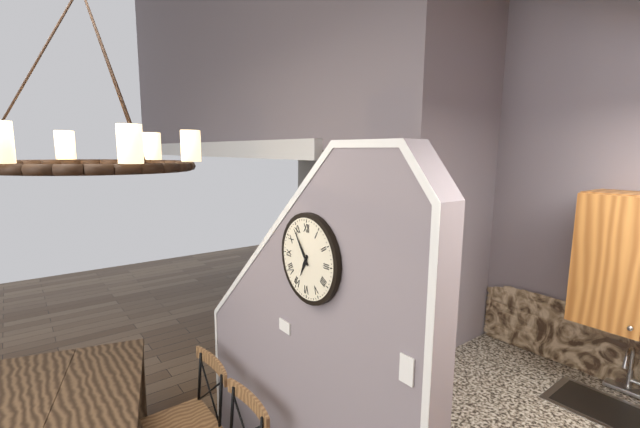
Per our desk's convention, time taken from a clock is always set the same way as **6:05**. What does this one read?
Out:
**6:54**
